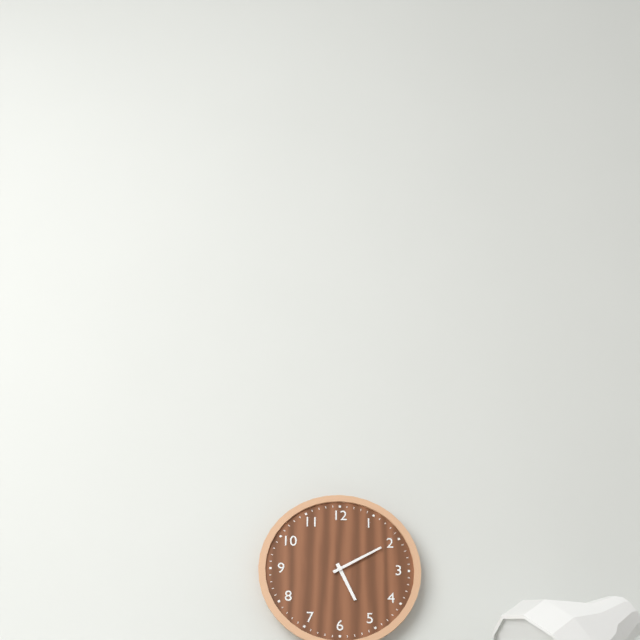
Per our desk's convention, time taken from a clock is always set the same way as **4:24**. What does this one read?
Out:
**5:10**
